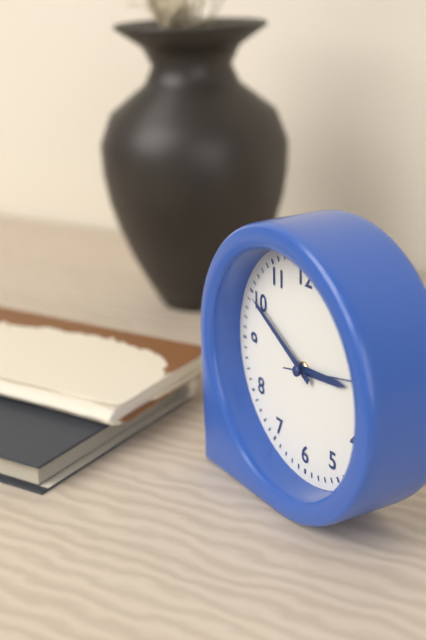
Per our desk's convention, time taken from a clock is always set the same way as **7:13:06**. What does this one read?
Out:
**2:50:13**
